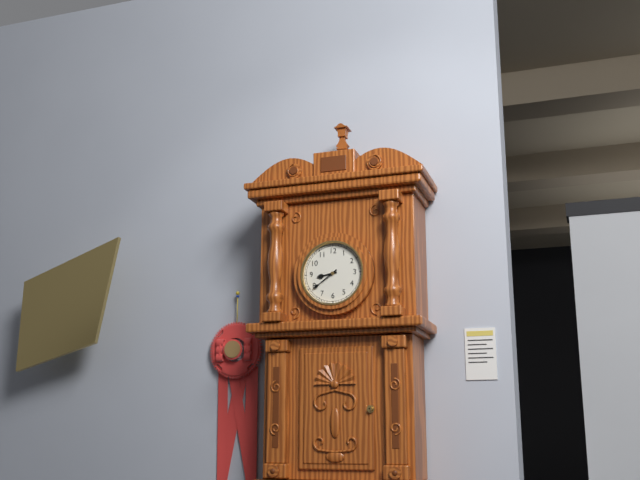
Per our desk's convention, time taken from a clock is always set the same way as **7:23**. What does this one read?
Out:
**8:39**
